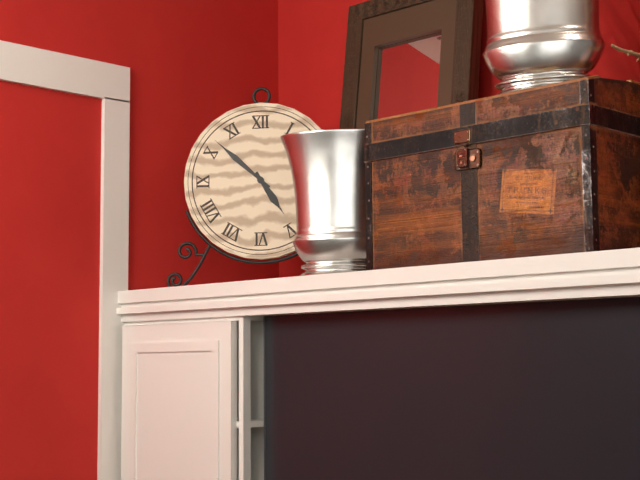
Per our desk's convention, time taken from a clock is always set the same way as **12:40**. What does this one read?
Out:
**4:52**
